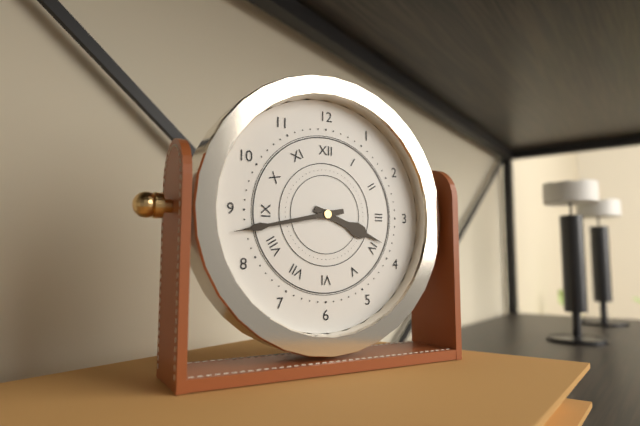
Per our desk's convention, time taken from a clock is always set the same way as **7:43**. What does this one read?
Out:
**3:43**
